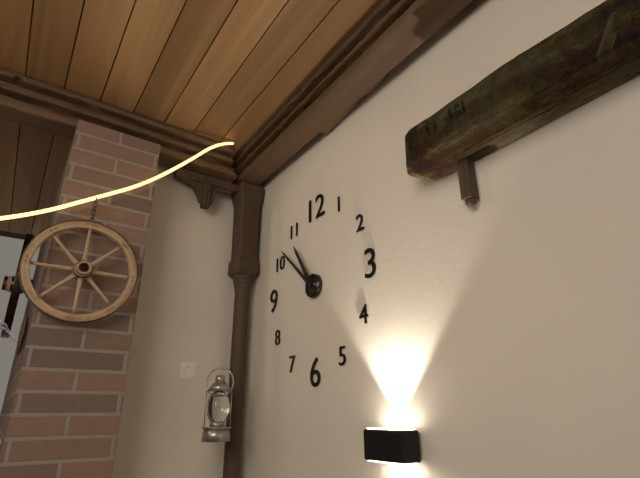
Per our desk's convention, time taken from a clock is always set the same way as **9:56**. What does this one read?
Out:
**10:52**
